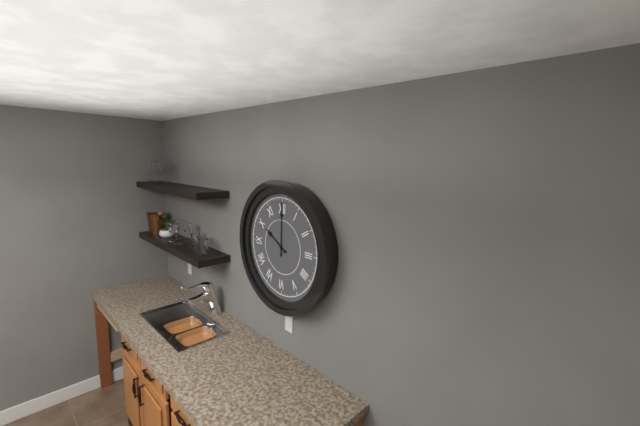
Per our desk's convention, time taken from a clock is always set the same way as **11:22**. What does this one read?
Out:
**10:00**
